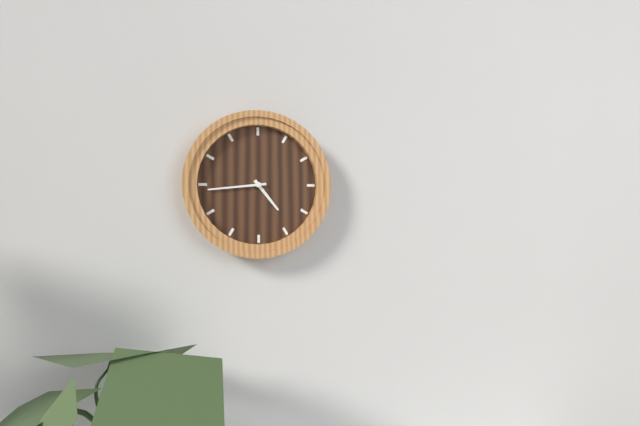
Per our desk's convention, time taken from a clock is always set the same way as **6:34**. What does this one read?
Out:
**4:44**
